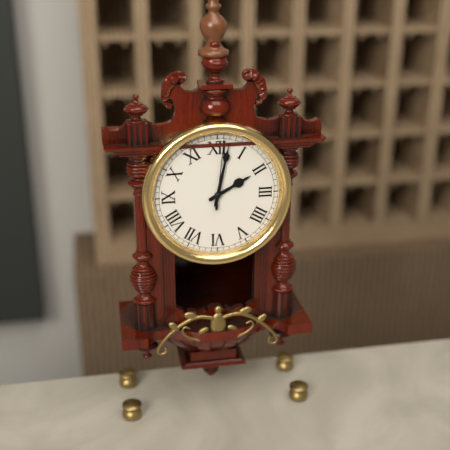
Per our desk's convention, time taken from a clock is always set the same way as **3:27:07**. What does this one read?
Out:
**2:02:01**
